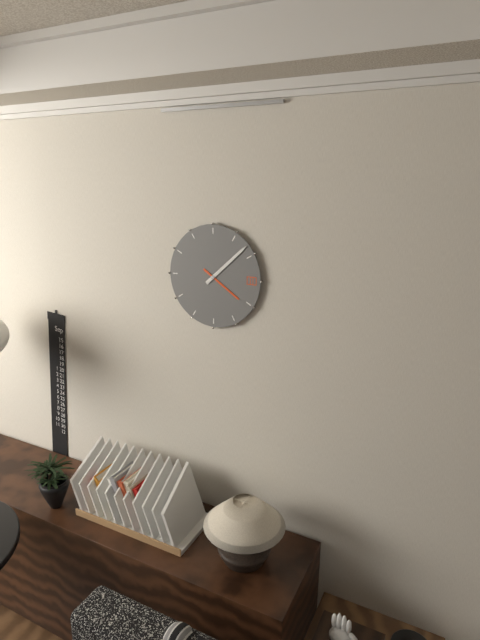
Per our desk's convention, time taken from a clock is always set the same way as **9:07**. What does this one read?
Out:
**4:08**
